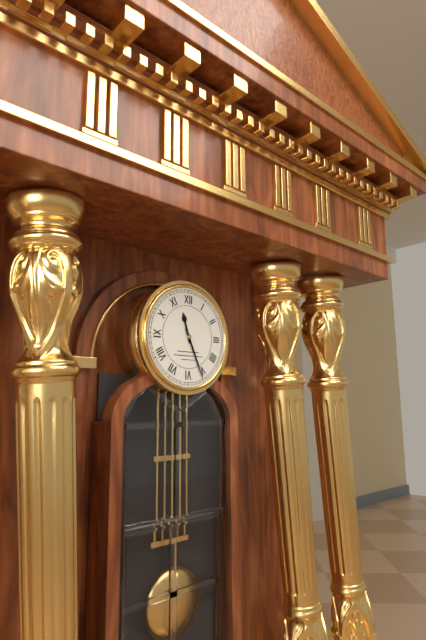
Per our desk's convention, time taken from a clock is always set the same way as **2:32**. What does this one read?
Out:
**11:26**
